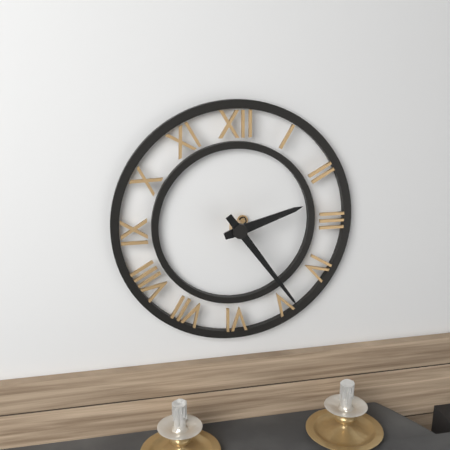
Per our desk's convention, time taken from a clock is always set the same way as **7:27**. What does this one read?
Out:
**2:24**
